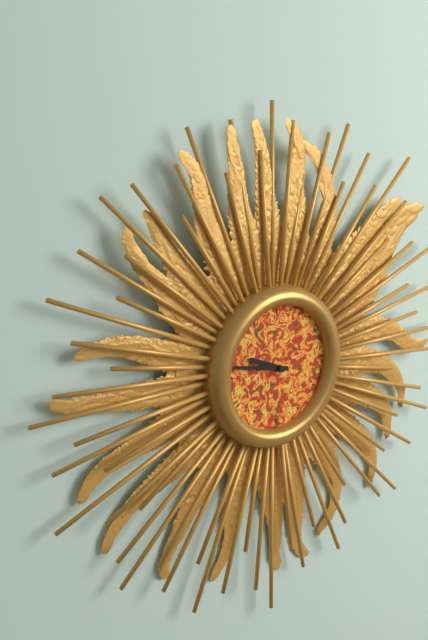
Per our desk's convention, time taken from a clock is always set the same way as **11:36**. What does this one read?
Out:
**9:47**
